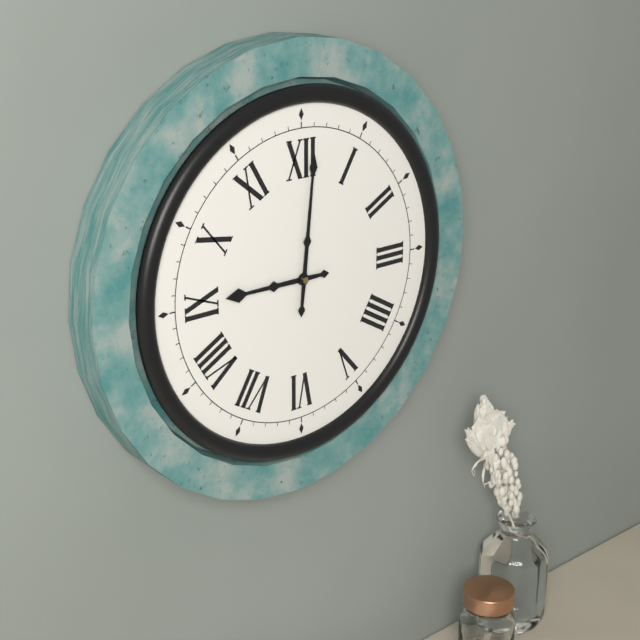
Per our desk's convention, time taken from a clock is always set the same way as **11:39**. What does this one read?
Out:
**9:01**
